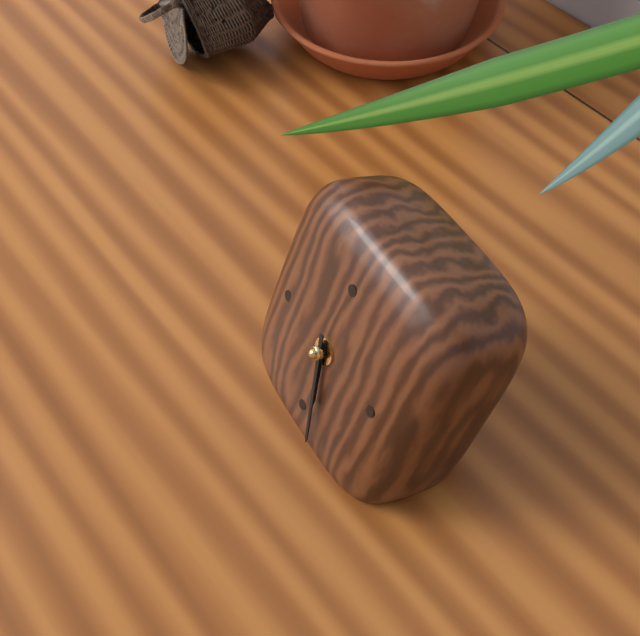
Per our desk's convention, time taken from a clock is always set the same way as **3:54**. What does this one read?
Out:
**5:27**
